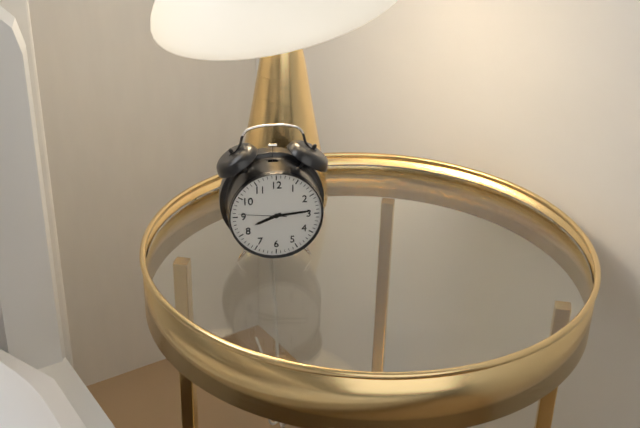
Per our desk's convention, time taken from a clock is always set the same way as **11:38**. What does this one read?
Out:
**8:14**
